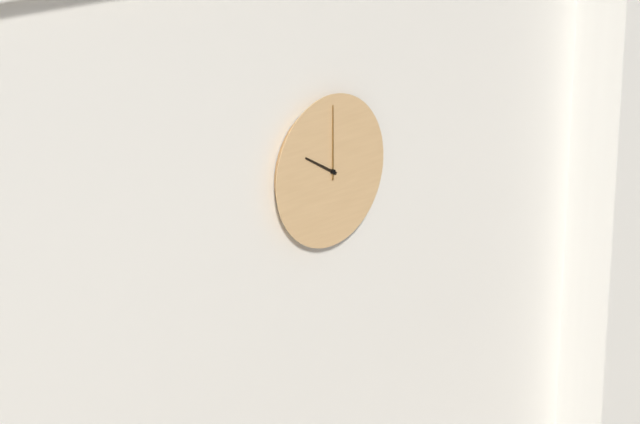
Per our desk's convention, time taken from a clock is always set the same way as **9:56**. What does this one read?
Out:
**10:00**
